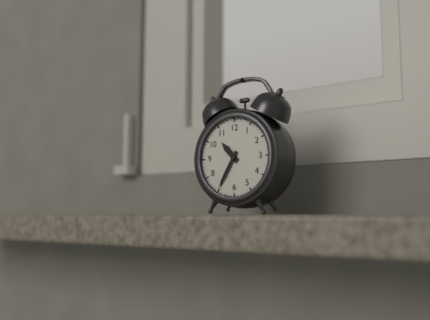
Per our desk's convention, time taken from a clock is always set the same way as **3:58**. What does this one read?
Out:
**10:35**
